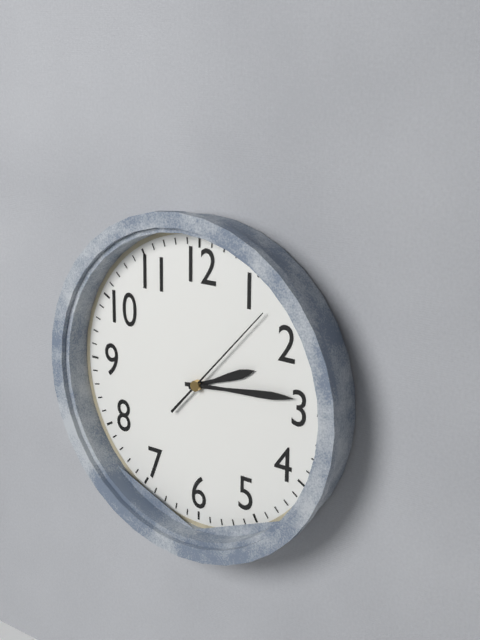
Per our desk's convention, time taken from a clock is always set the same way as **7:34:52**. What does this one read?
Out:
**2:14:07**
